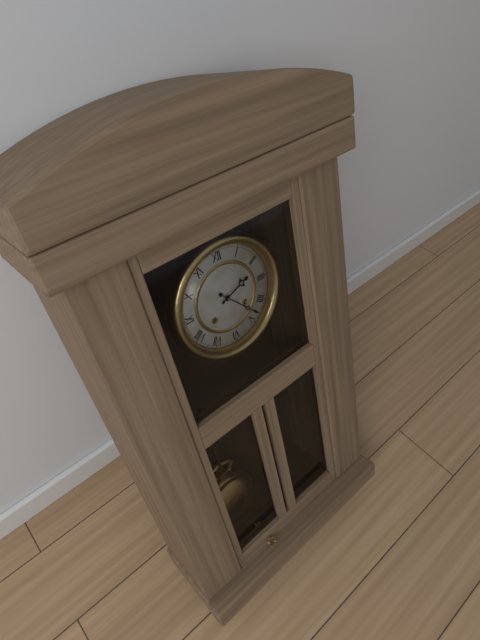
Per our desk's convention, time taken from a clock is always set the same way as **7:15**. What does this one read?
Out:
**2:23**
